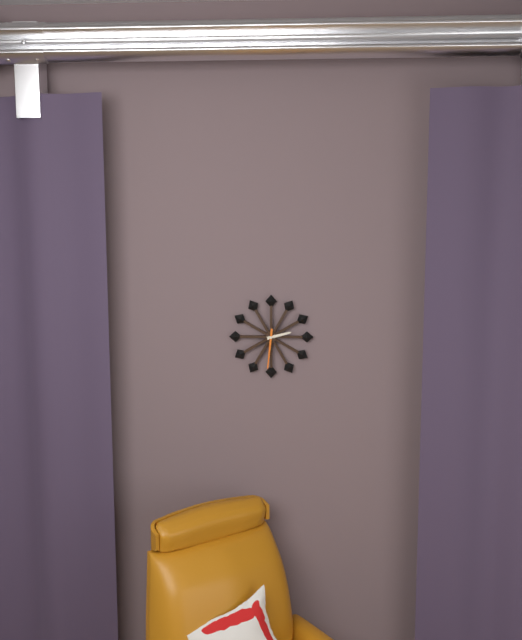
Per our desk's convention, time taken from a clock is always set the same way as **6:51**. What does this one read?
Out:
**2:31**
